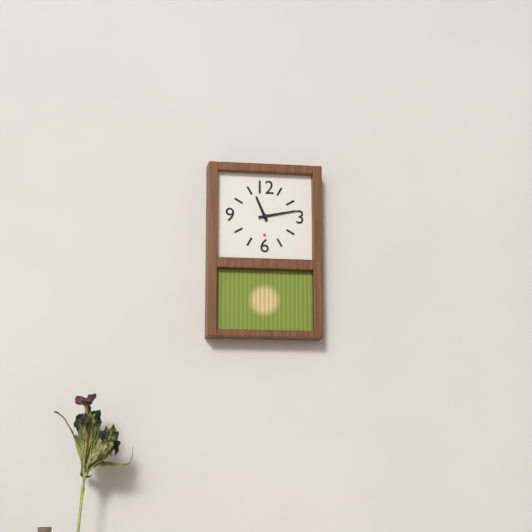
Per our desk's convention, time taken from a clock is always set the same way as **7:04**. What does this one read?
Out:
**11:13**
